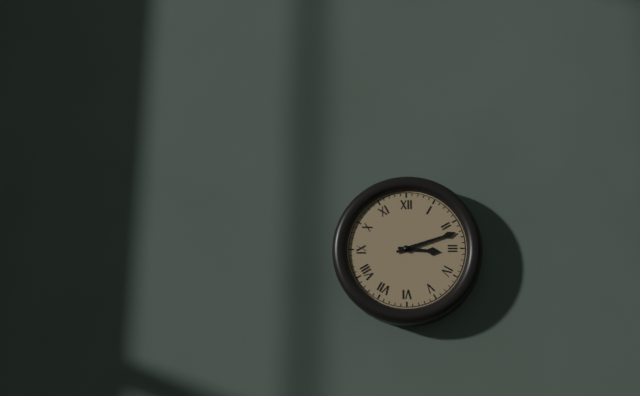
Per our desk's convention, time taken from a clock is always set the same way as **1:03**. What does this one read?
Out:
**3:12**
